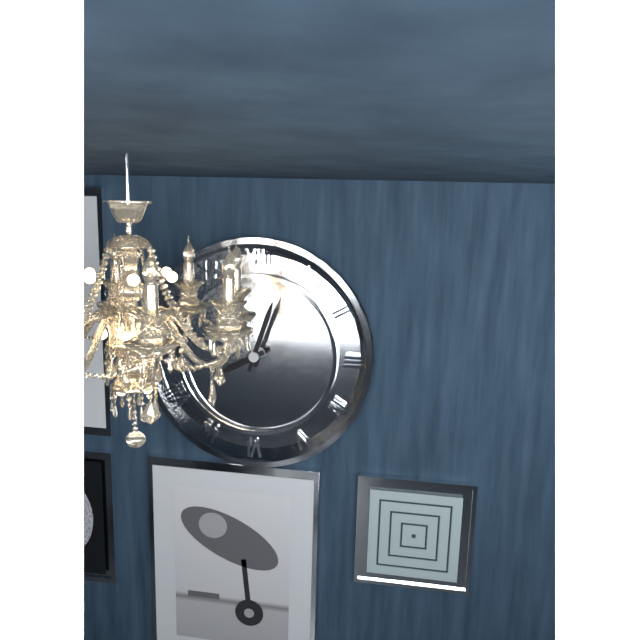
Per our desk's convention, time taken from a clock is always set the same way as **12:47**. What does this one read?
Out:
**8:03**
